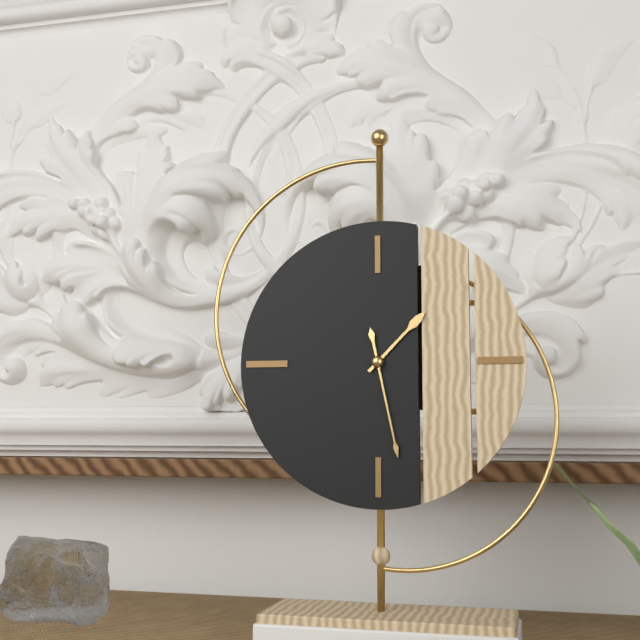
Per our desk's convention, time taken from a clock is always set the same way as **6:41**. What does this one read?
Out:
**1:28**
